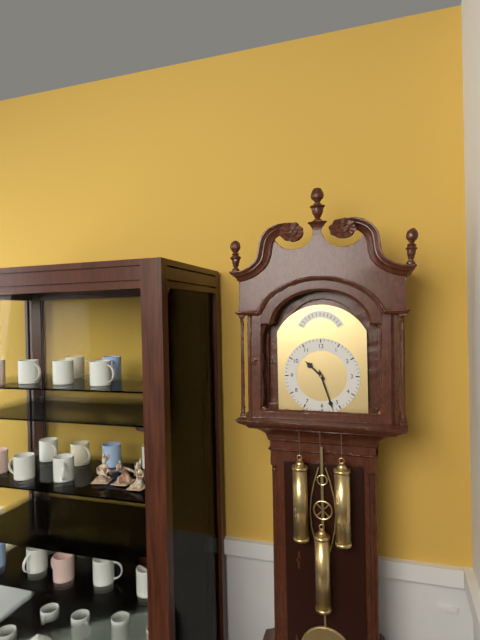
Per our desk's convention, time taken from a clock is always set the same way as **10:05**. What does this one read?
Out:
**10:27**
